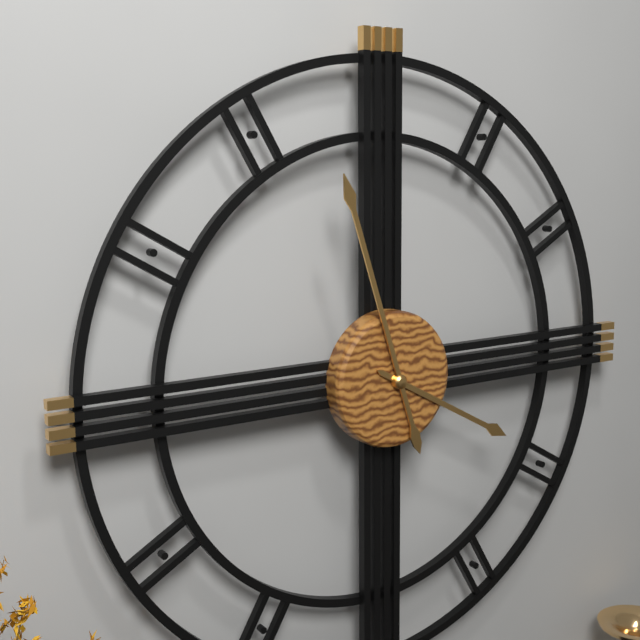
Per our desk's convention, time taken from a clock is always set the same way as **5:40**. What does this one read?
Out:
**3:57**
